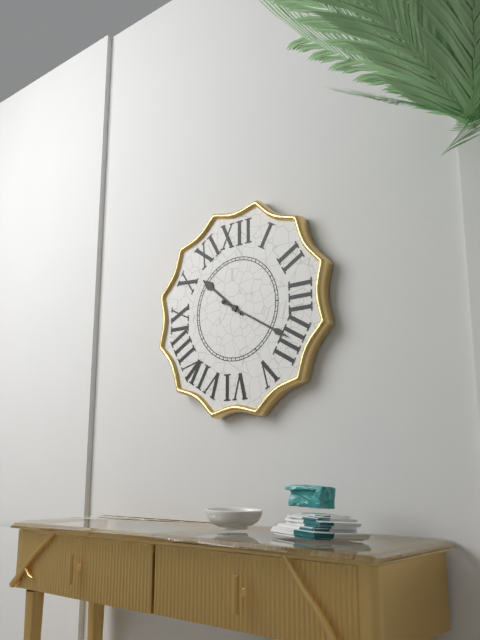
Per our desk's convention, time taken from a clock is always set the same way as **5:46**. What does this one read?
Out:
**10:20**
